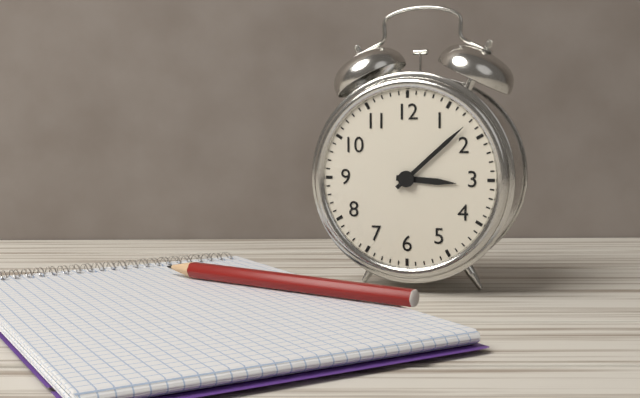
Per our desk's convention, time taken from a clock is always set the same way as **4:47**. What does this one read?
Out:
**3:08**
